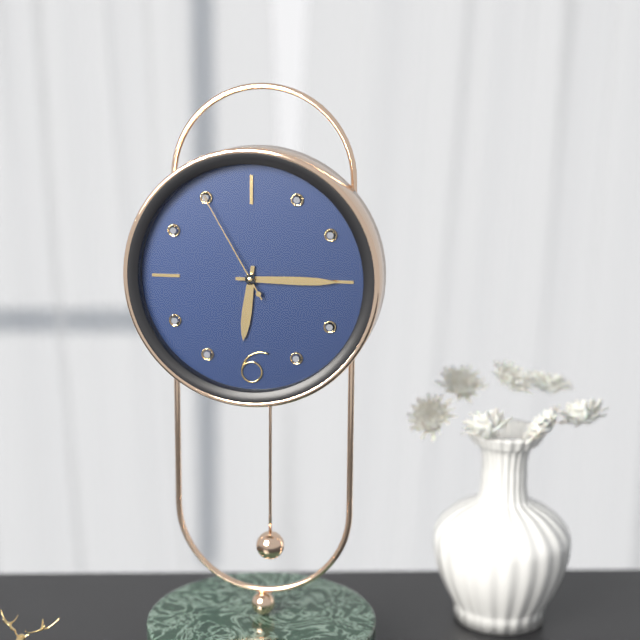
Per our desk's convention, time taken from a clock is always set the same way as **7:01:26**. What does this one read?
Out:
**6:15:55**
